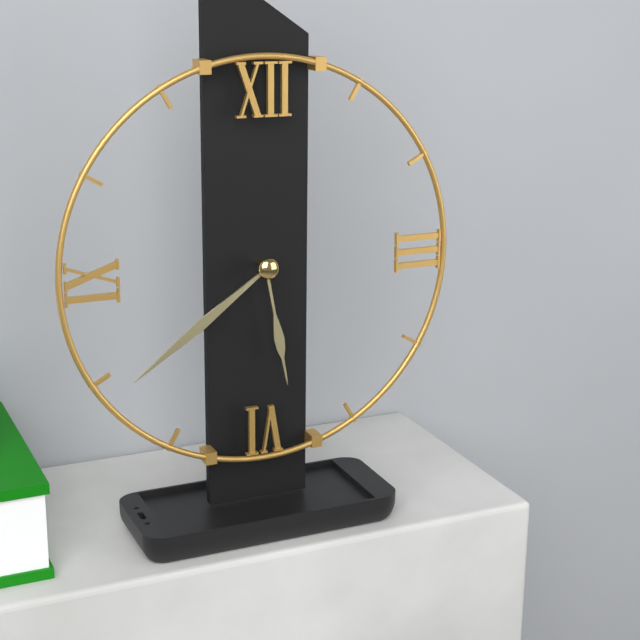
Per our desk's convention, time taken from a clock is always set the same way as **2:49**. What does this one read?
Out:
**5:39**
